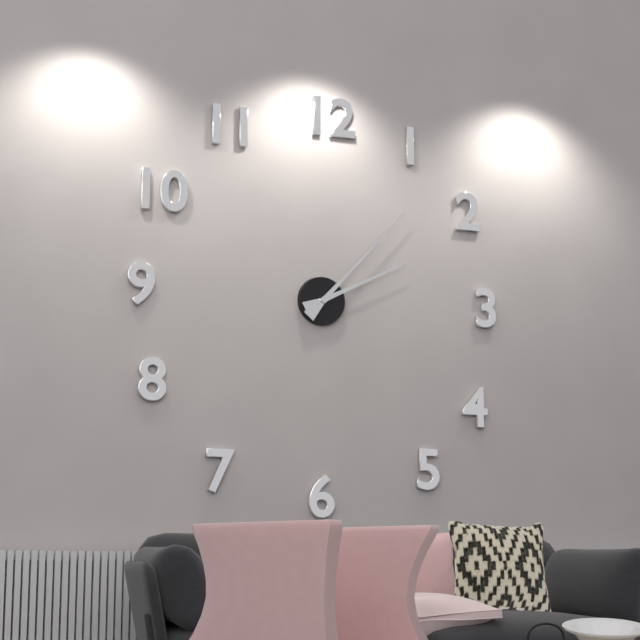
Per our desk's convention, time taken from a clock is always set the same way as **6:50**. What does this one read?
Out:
**2:07**
